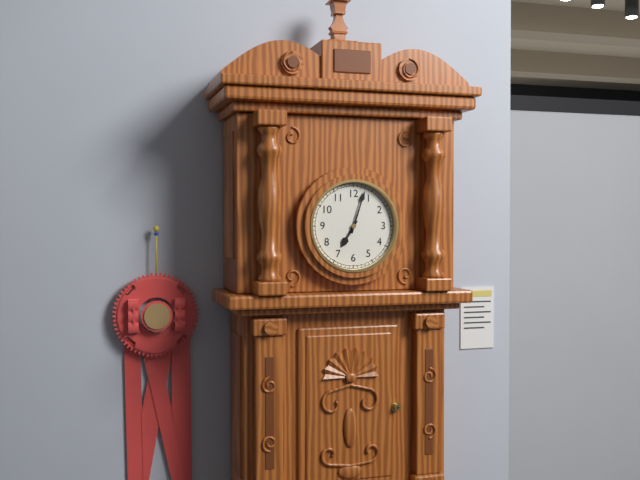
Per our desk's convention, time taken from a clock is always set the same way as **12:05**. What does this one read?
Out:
**7:03**
